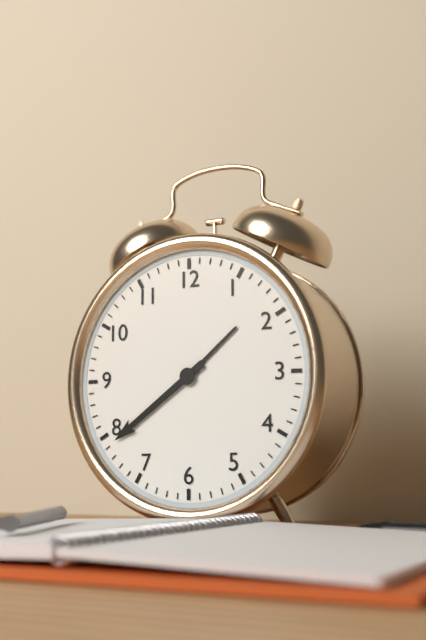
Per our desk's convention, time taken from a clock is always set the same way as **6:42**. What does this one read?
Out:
**1:39**
